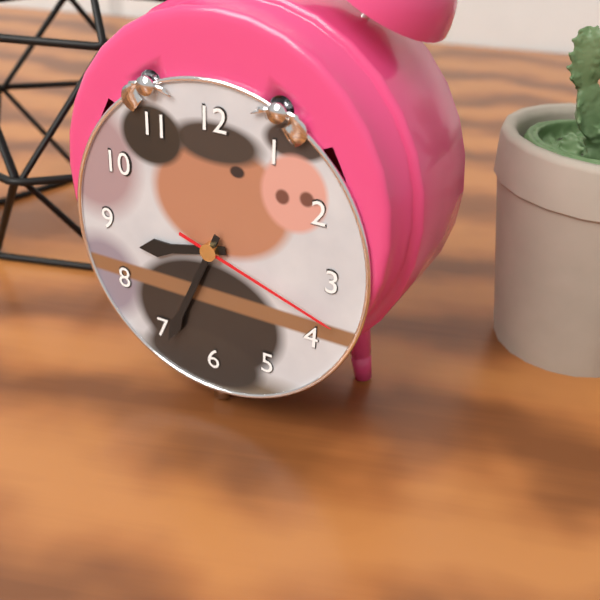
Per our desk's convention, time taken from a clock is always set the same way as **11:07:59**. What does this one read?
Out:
**8:34:18**
